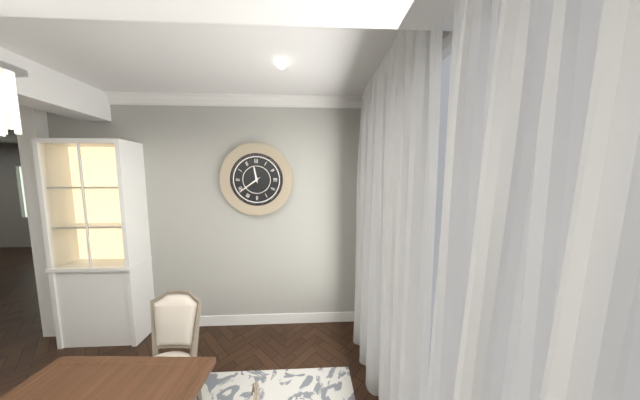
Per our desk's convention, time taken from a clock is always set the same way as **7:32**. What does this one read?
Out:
**11:39**
